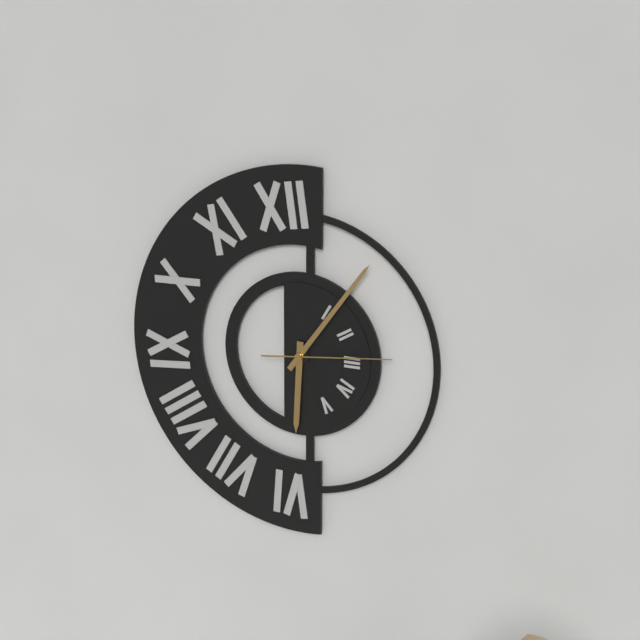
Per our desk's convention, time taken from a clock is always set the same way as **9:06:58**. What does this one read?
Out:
**6:06:14**
